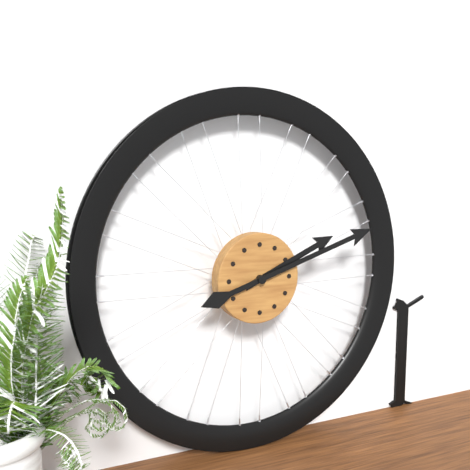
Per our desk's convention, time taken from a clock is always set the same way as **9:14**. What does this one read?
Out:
**2:12**
